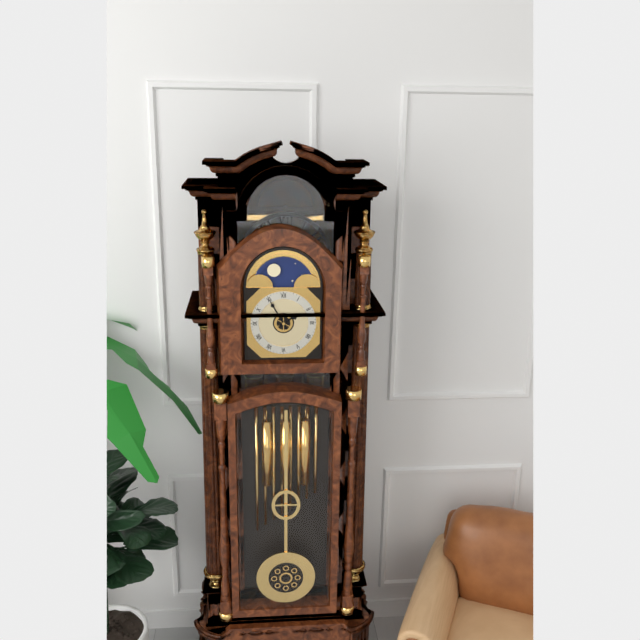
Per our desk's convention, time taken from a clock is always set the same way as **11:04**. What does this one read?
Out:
**1:55**
